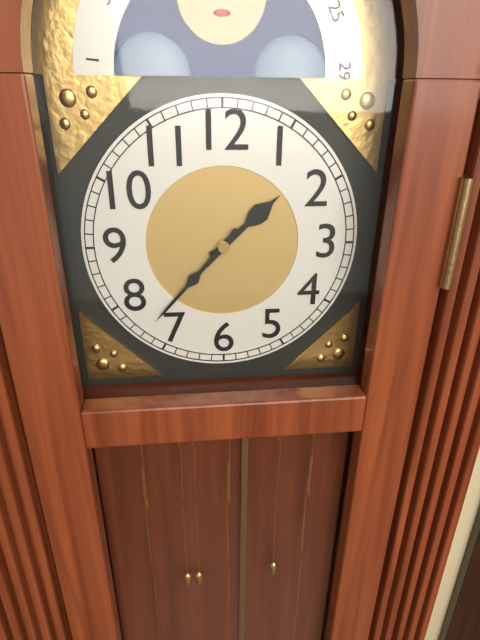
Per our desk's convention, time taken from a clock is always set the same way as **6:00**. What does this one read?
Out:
**1:37**
